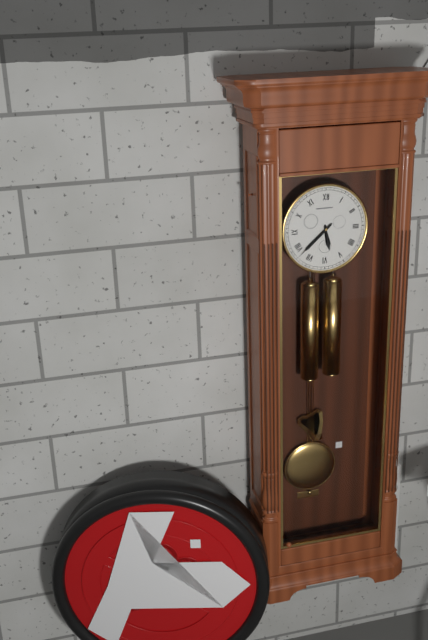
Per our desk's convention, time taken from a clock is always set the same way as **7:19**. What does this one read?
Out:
**5:38**
